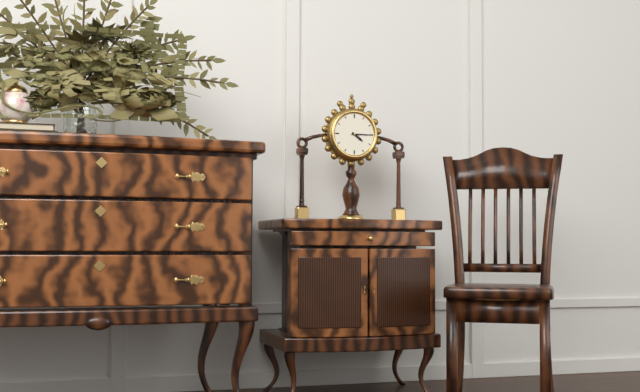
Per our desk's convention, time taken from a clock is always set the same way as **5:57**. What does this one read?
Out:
**4:15**
